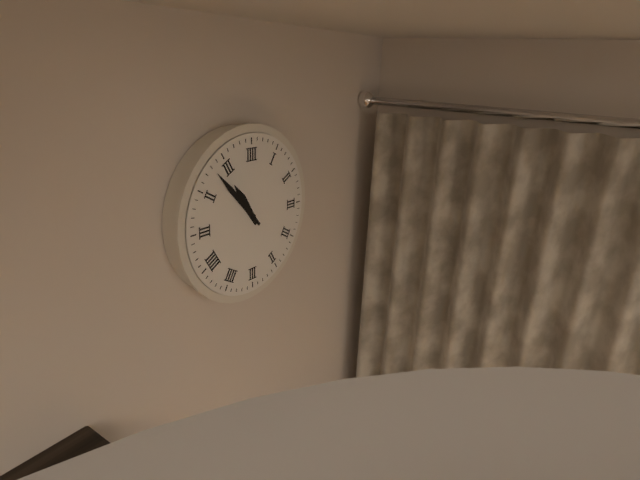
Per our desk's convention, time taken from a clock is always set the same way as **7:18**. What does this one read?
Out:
**10:53**
